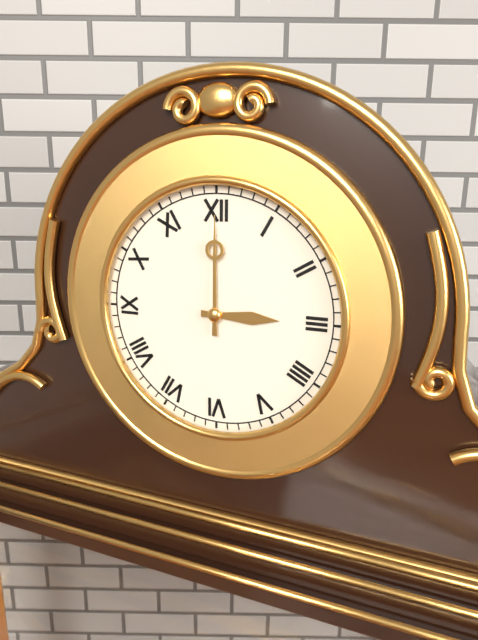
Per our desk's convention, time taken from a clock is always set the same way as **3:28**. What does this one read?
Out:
**3:00**
